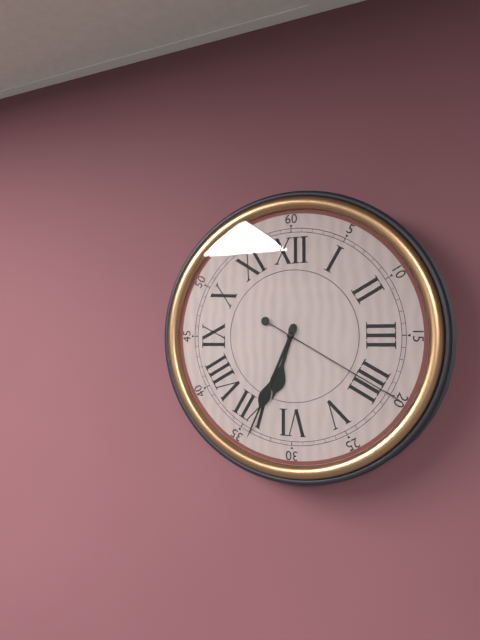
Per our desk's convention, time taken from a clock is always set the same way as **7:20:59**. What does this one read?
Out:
**6:34:20**
